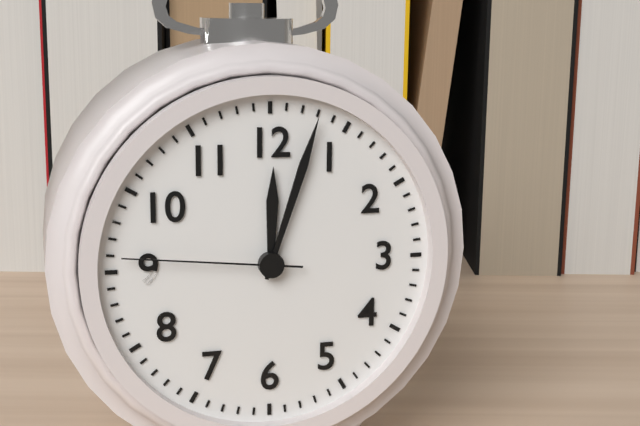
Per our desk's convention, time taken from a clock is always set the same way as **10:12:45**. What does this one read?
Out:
**12:03:46**
